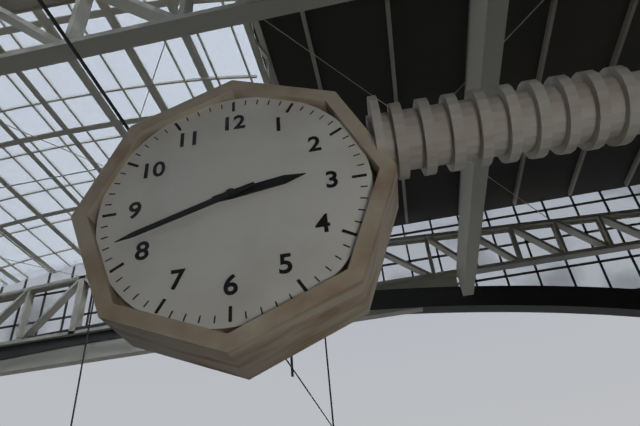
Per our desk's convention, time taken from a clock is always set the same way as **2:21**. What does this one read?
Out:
**2:42**
